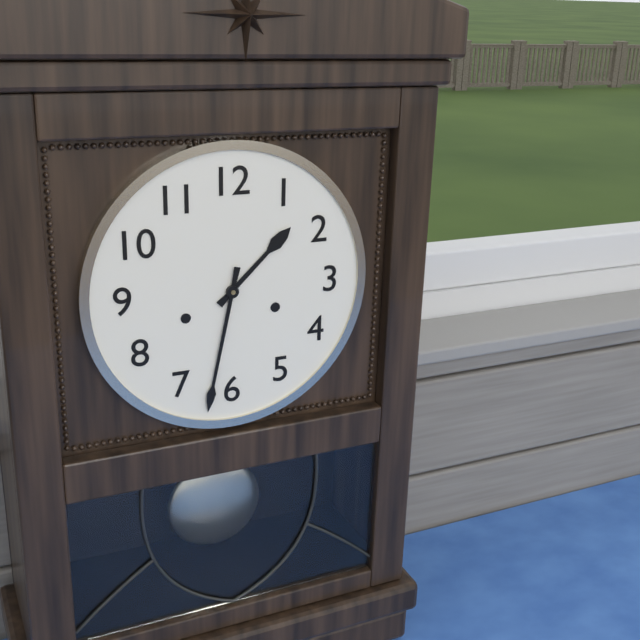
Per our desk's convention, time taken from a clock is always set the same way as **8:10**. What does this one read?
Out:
**1:32**
